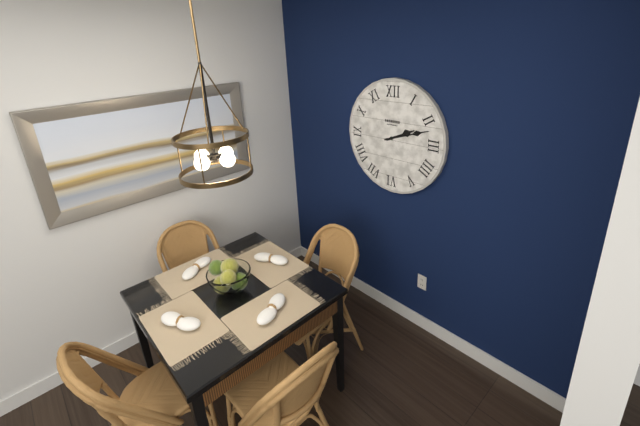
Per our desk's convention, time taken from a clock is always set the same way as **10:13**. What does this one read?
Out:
**2:12**
